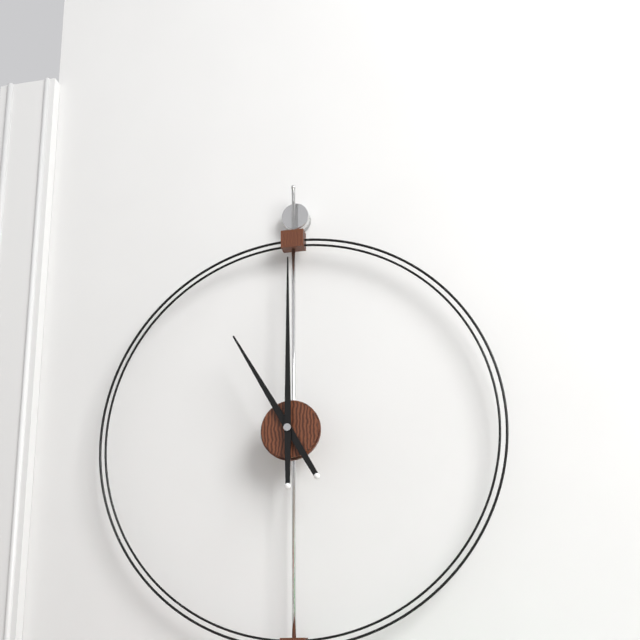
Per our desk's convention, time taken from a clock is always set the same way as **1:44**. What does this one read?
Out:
**11:00**
